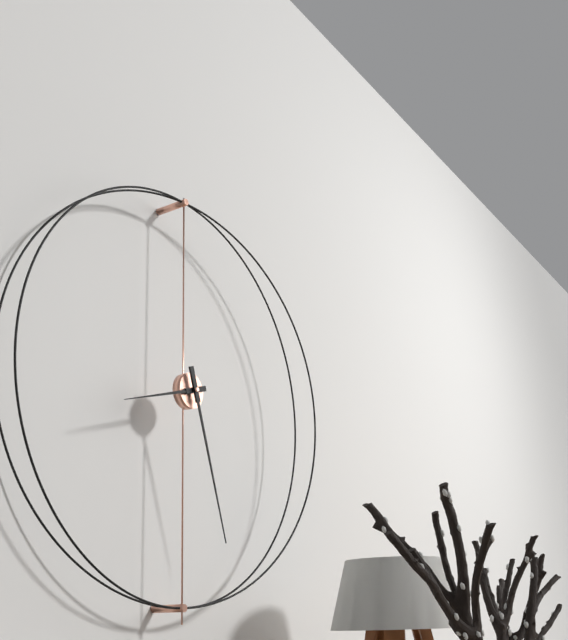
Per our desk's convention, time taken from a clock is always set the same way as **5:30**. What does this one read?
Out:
**8:27**
